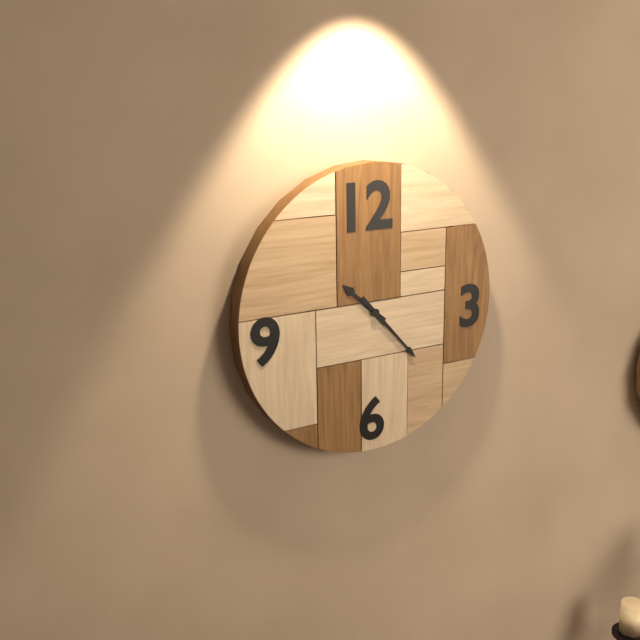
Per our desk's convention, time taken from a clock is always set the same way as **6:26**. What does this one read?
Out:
**10:23**
